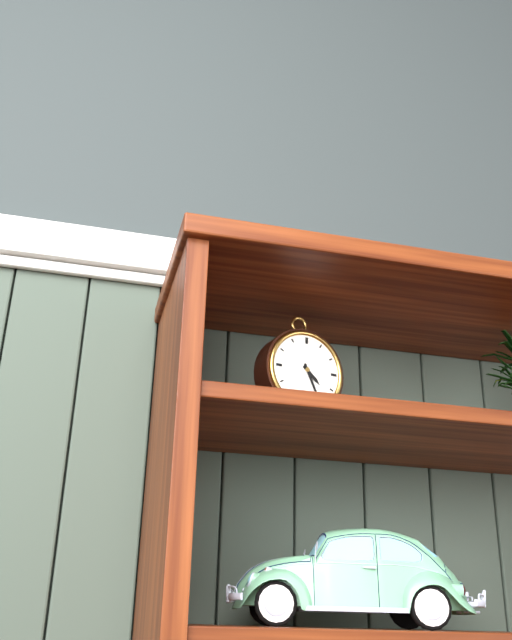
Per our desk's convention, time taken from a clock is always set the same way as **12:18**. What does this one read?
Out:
**4:26**
